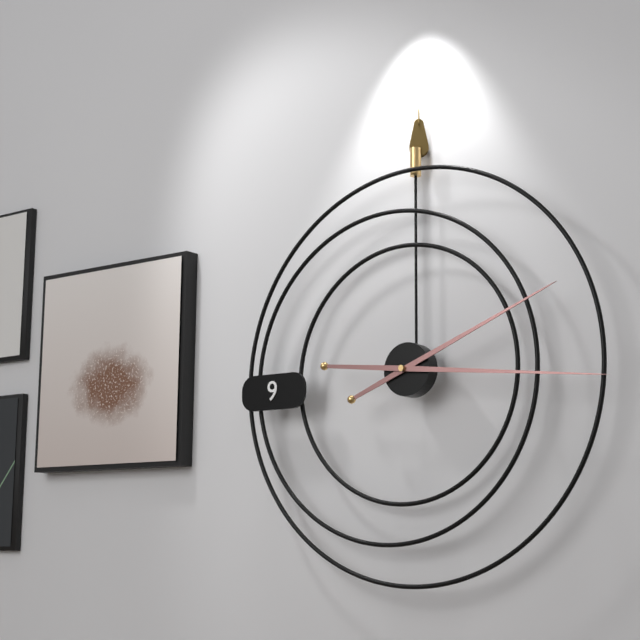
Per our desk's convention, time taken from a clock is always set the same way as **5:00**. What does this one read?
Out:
**2:16**
